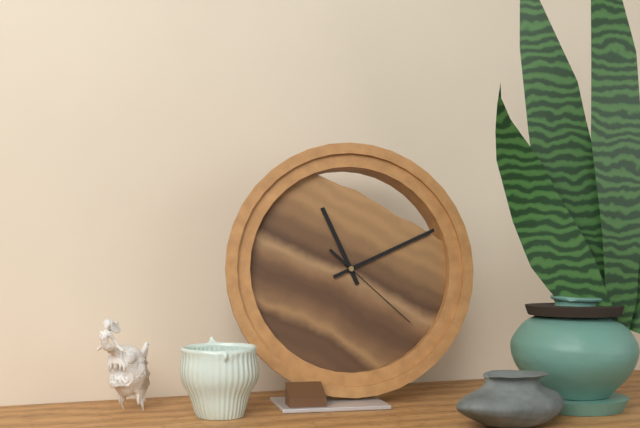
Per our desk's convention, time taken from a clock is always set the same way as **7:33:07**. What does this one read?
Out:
**11:11:22**
